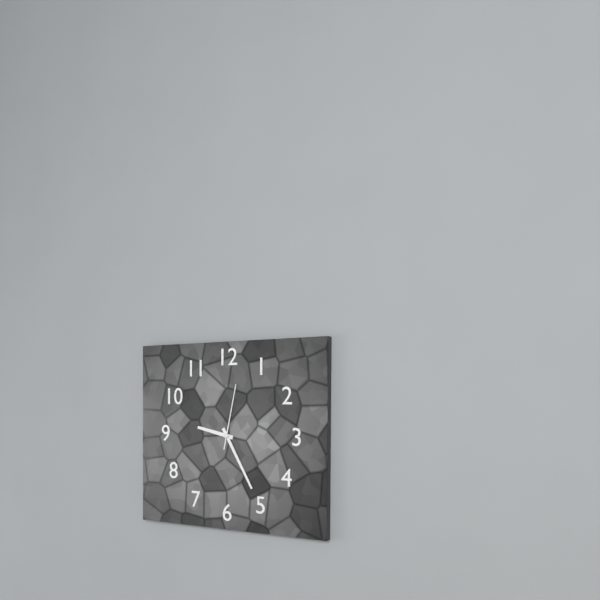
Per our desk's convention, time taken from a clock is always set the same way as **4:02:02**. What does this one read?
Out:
**9:25:02**
